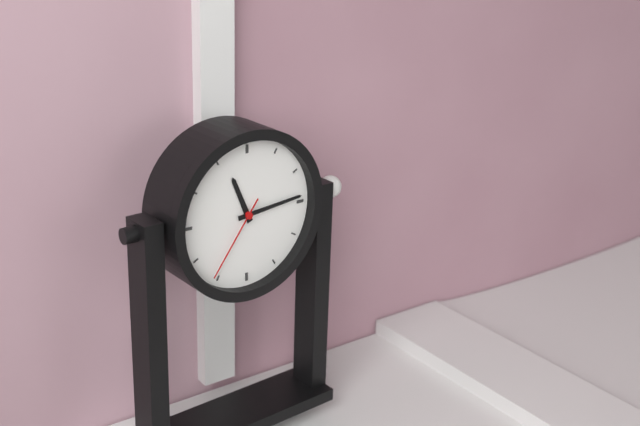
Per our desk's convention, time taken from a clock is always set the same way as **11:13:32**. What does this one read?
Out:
**11:14:36**
